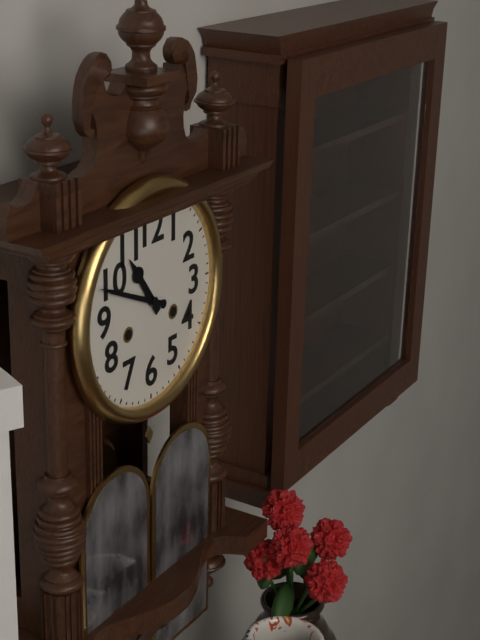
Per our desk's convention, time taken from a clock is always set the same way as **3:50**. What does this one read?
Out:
**10:49**
